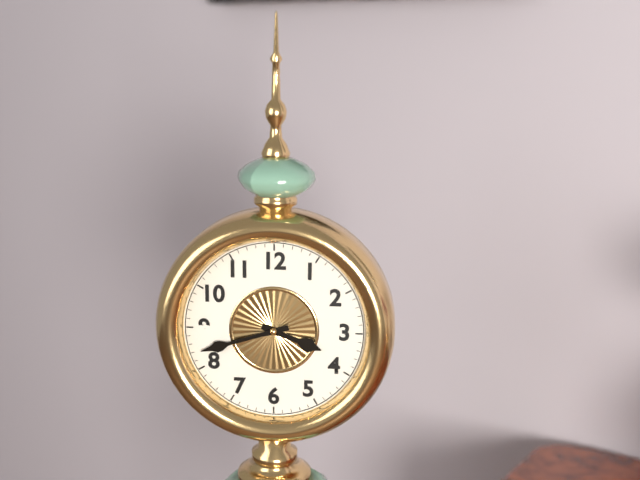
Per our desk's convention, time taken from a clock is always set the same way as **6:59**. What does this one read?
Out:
**3:42**
